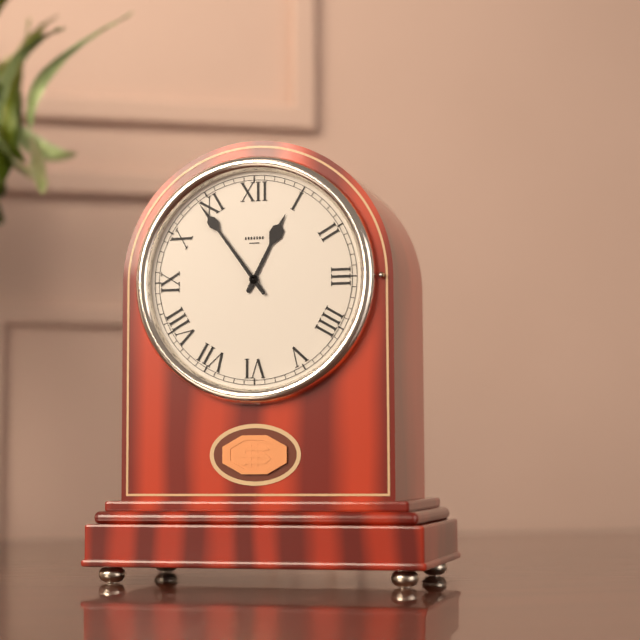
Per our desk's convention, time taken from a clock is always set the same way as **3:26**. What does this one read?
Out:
**12:54**
